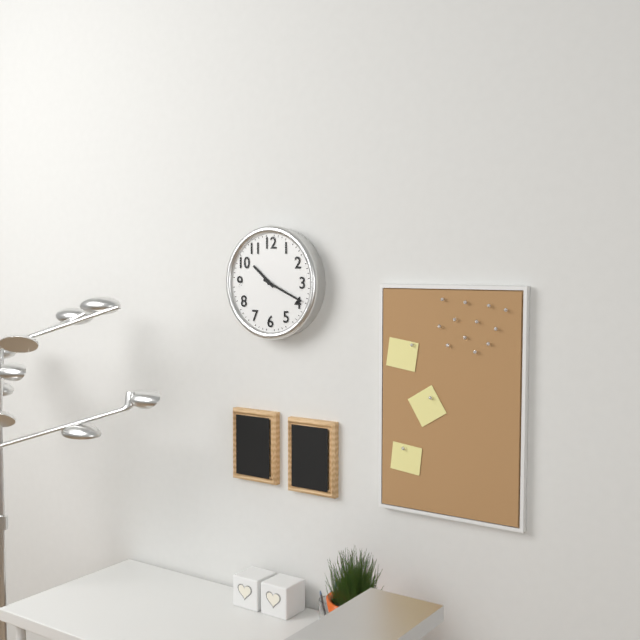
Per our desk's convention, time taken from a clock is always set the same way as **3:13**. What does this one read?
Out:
**10:19**
